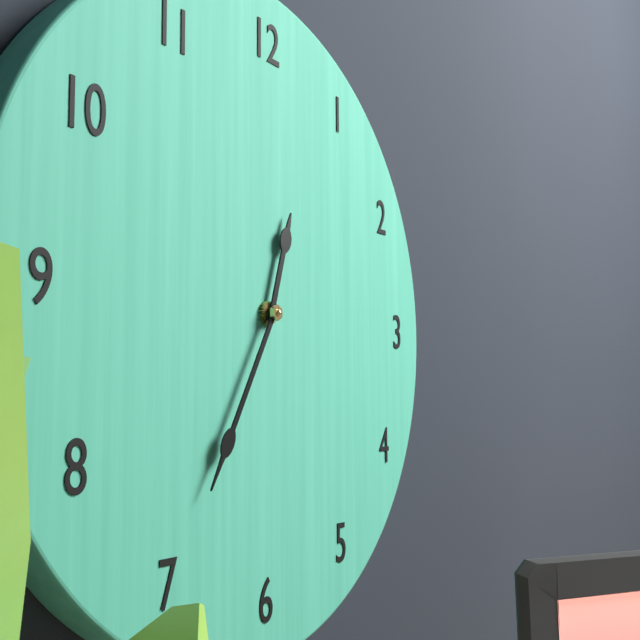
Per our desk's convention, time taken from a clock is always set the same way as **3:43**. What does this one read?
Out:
**12:35**
